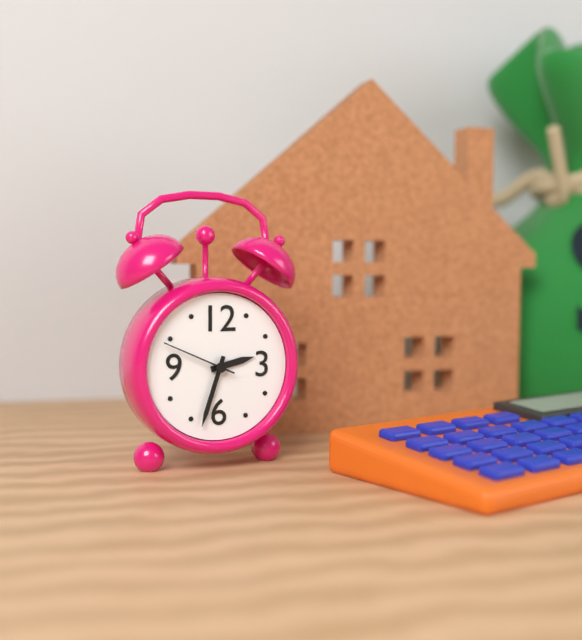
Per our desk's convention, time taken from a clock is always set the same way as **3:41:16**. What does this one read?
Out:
**2:33:49**
